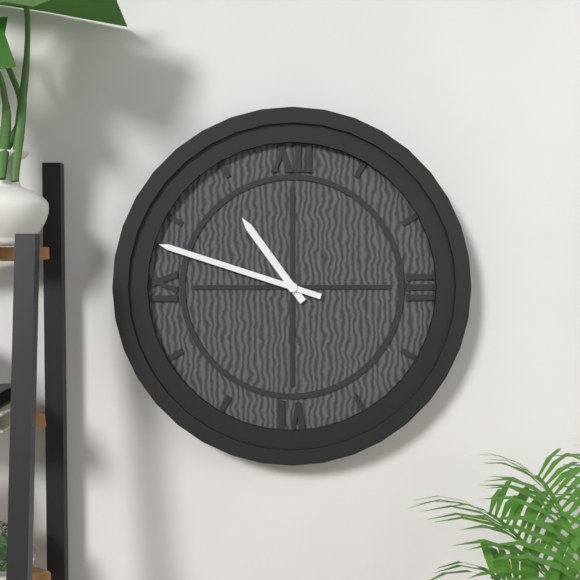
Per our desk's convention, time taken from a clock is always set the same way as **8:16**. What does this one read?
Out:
**10:48**
